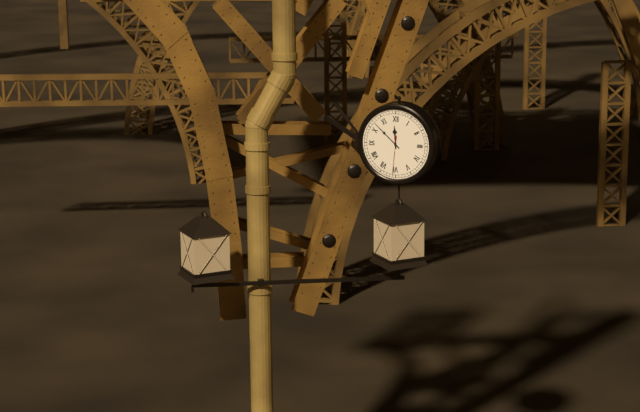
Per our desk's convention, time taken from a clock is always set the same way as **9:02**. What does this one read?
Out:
**11:52**
